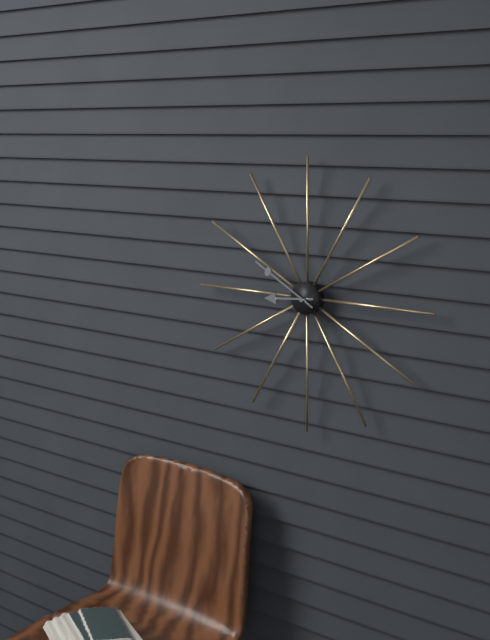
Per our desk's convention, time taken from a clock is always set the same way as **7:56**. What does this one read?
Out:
**8:50**
